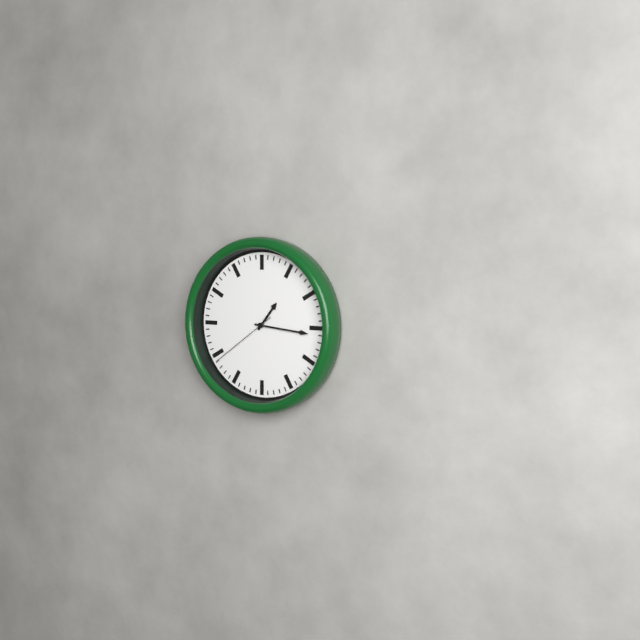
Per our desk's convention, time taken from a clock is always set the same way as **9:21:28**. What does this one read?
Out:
**1:16:39**
